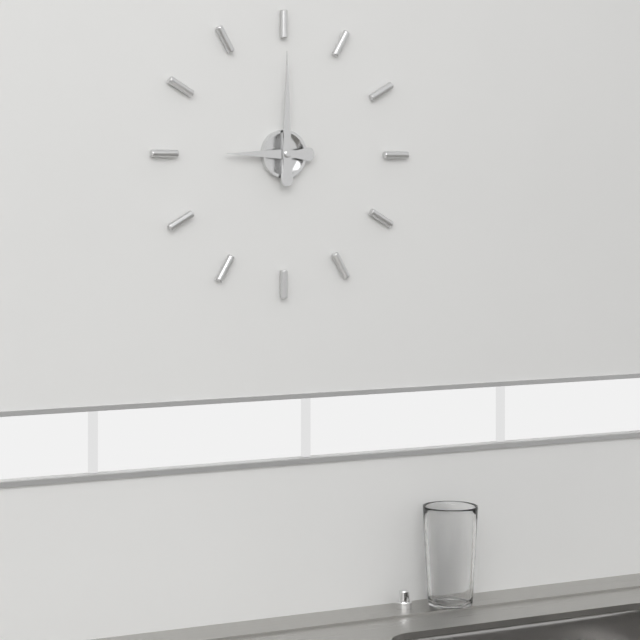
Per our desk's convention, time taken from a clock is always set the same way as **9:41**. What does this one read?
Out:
**9:00**
